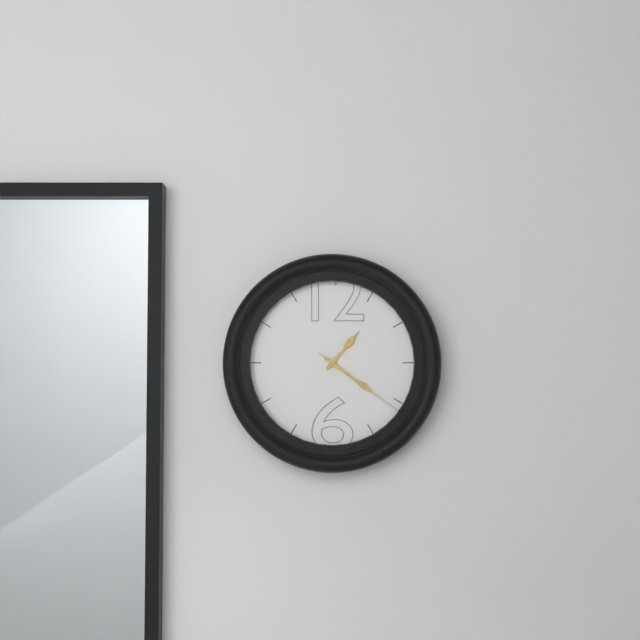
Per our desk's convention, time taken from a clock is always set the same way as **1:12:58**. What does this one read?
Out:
**1:21:21**
